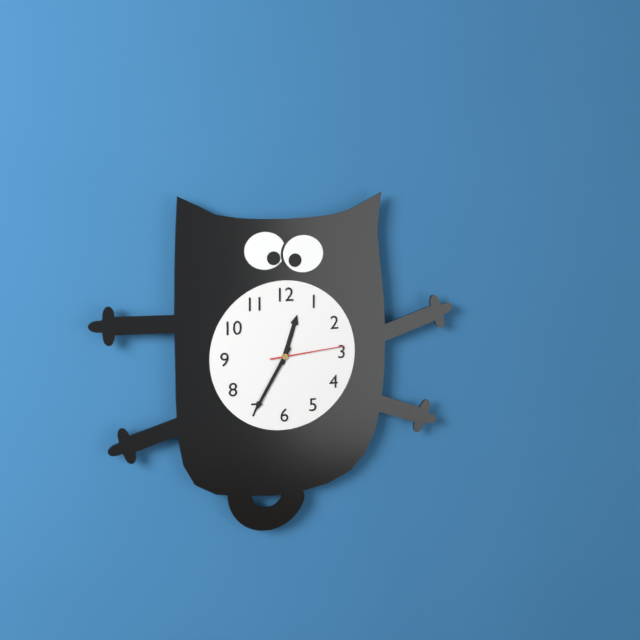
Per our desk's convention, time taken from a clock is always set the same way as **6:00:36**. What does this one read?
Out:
**12:35:14**
